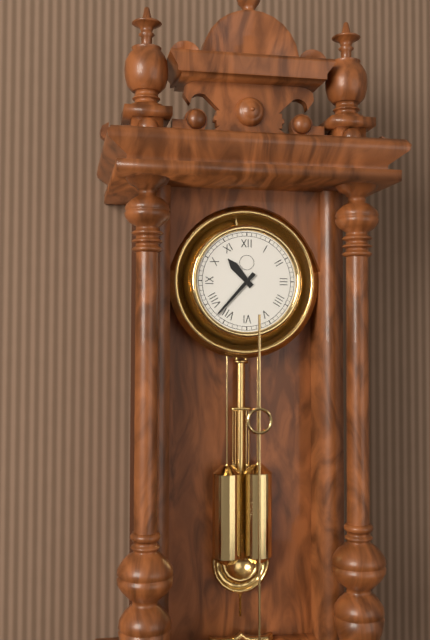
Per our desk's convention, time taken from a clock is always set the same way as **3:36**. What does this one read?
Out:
**10:37**
